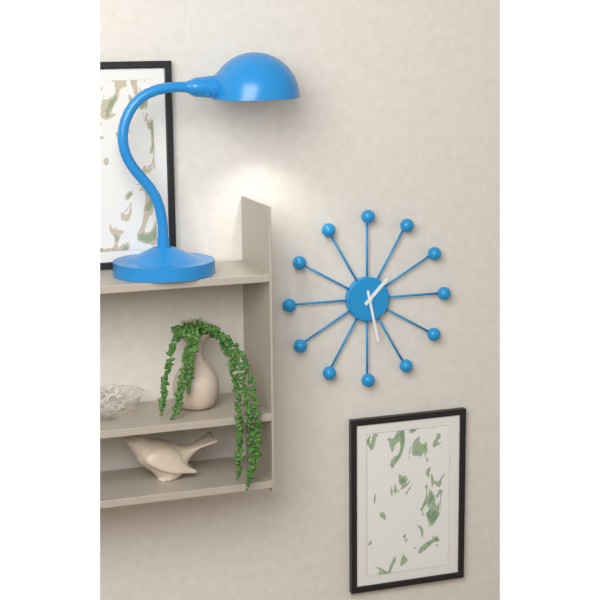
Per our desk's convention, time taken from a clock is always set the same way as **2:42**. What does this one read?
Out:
**1:28**
